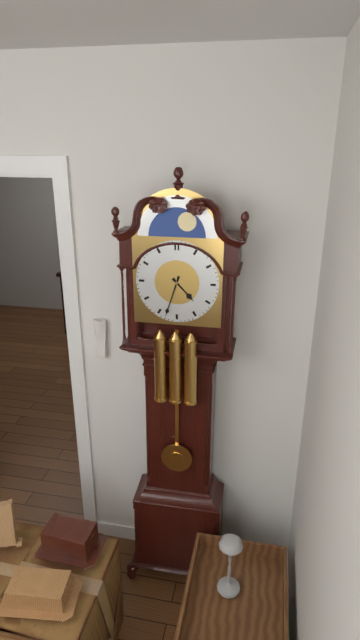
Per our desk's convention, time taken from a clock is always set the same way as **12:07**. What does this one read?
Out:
**4:33**
